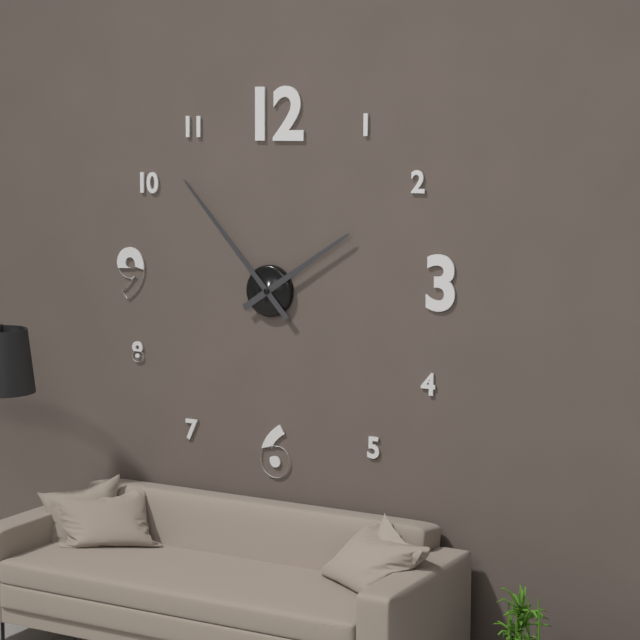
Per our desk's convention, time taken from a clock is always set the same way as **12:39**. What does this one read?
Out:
**1:53**
